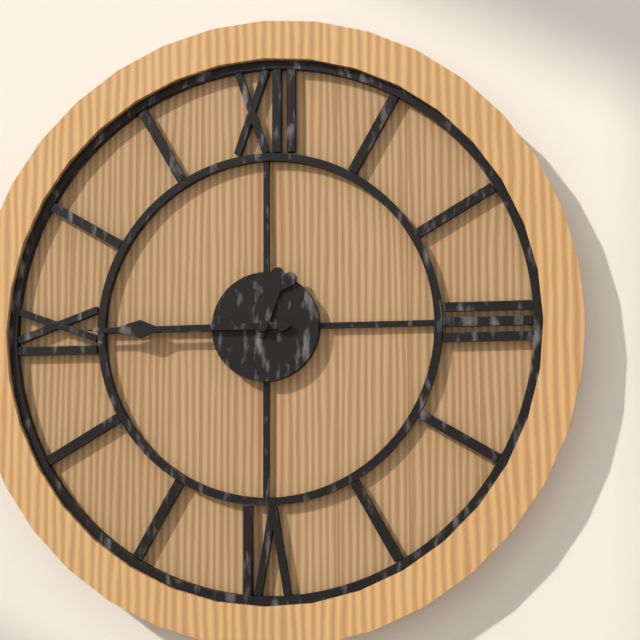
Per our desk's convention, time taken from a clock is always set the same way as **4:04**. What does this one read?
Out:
**12:45**
